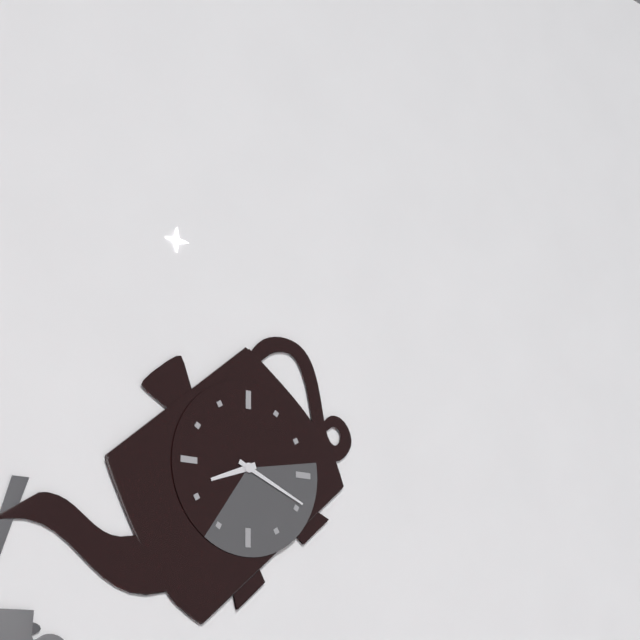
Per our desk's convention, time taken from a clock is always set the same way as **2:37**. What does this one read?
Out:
**8:19**
